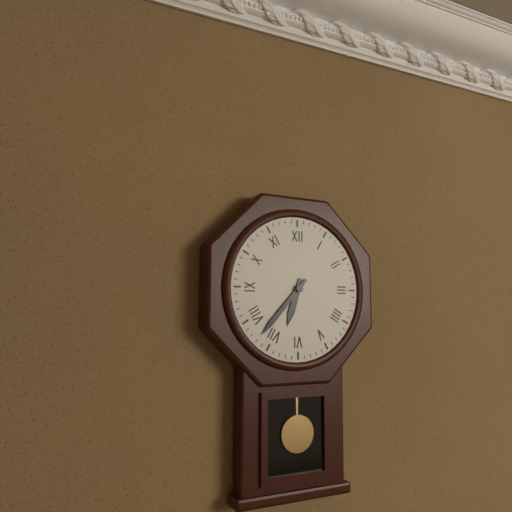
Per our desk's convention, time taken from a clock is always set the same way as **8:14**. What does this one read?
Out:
**6:37**
